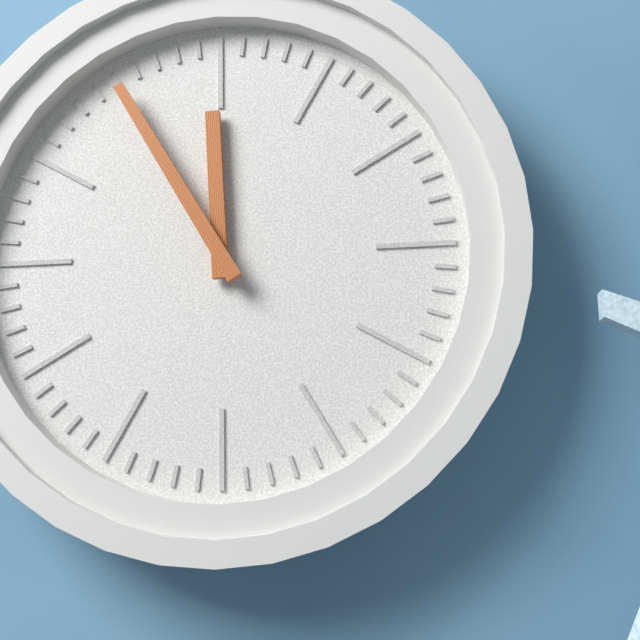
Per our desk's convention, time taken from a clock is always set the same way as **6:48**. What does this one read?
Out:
**11:55**
